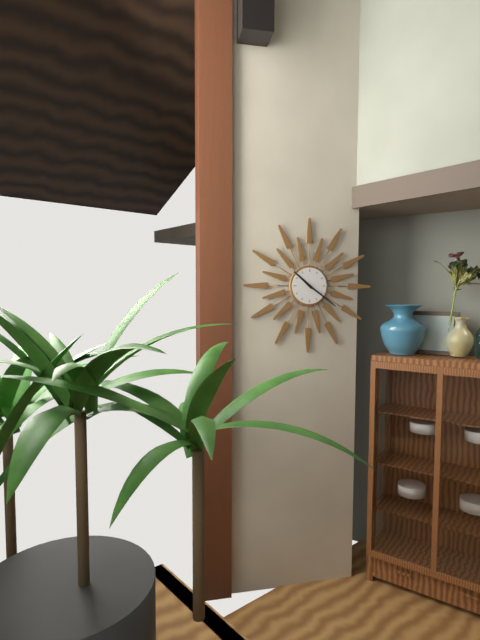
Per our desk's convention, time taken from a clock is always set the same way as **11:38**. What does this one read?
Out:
**10:21**
